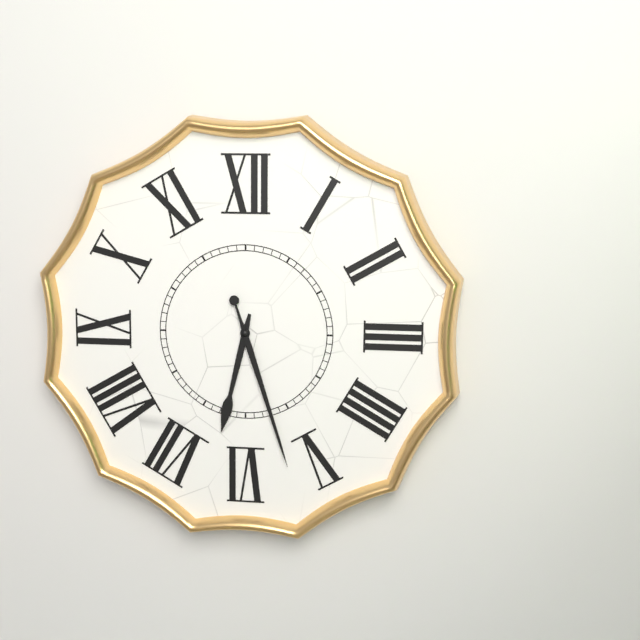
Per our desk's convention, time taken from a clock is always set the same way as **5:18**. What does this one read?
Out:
**6:27**
